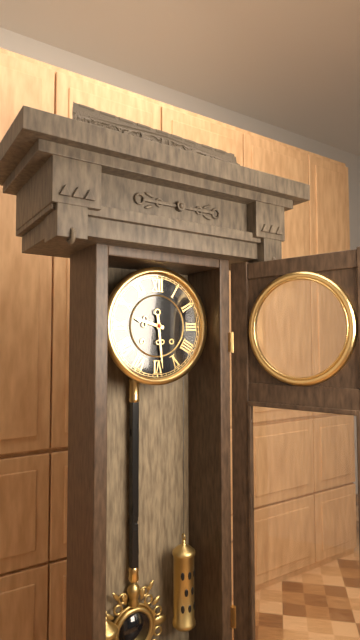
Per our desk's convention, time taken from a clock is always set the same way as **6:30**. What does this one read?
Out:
**9:29**
